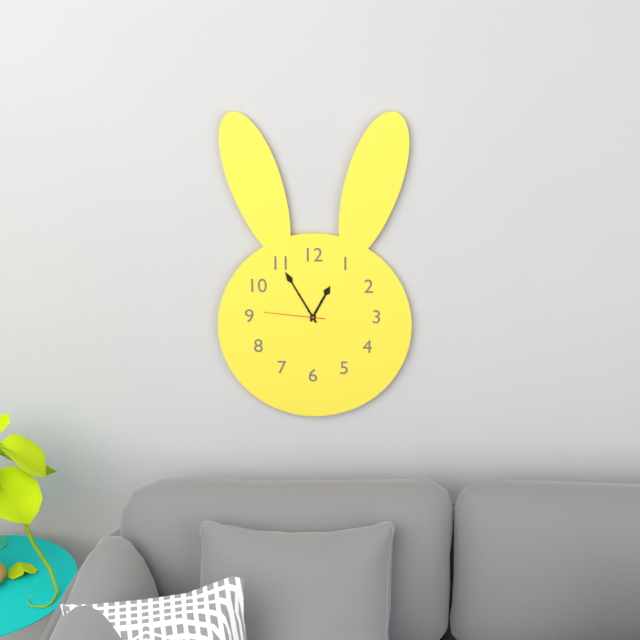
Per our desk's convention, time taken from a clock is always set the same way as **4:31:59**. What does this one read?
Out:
**12:55:46**
